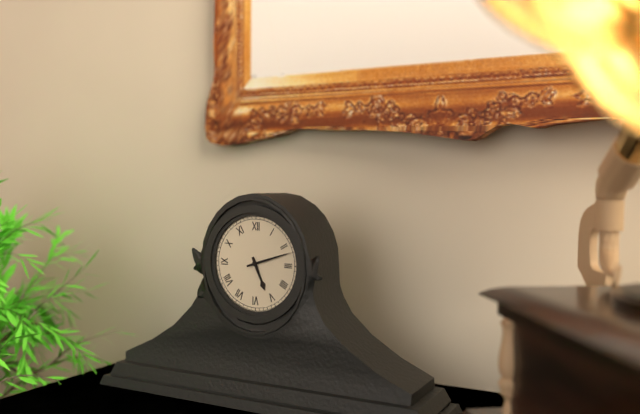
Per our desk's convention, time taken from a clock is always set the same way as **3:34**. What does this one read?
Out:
**5:12**
